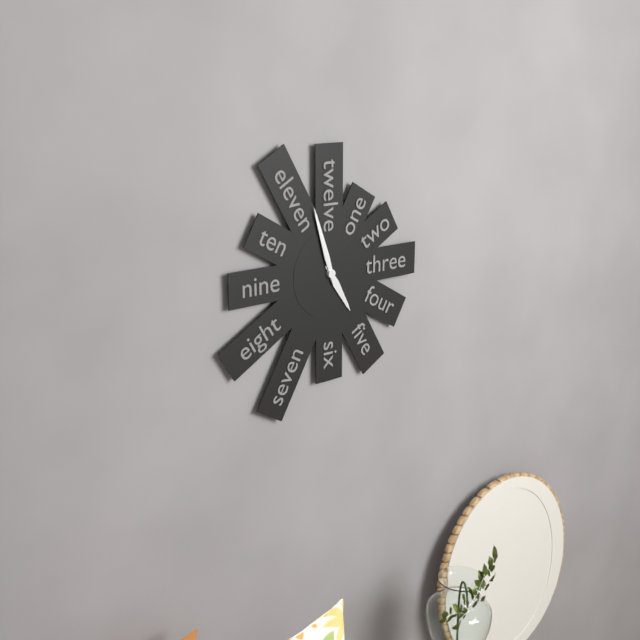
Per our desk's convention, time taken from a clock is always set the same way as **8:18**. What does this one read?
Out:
**4:57**
